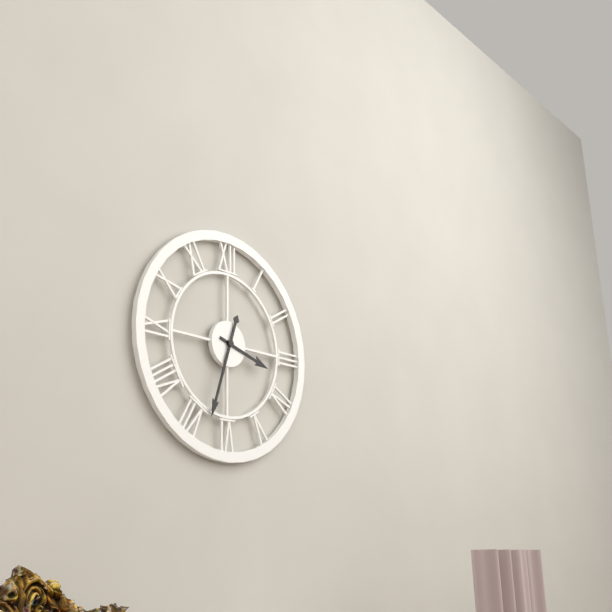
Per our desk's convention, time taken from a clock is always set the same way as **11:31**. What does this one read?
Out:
**3:33**
